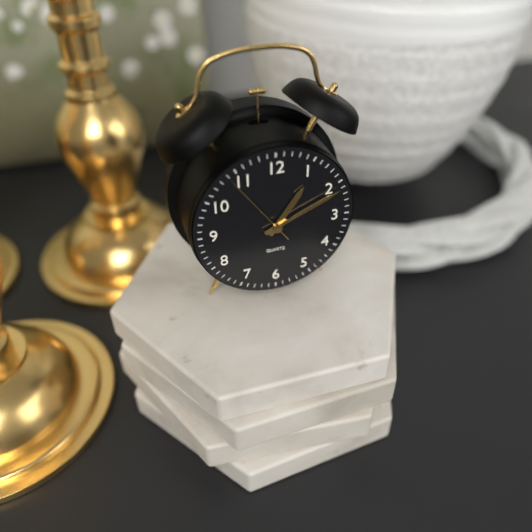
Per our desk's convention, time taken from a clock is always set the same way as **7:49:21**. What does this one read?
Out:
**1:11:54**
